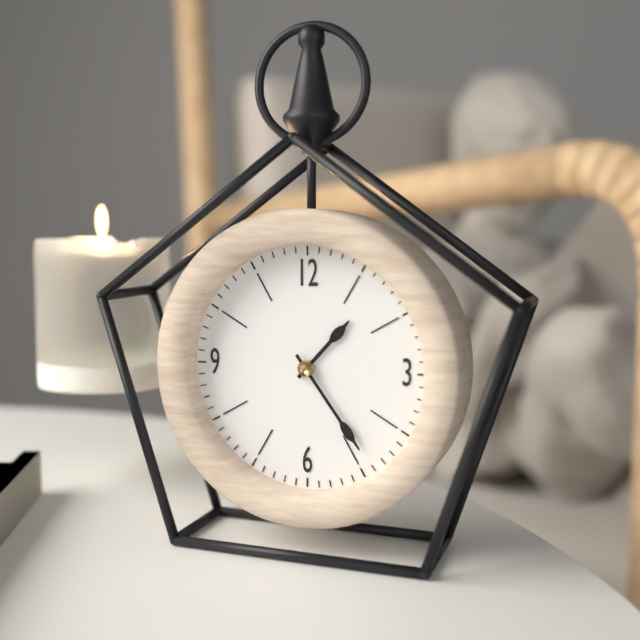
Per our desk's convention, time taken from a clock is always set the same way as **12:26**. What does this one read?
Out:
**1:24**
